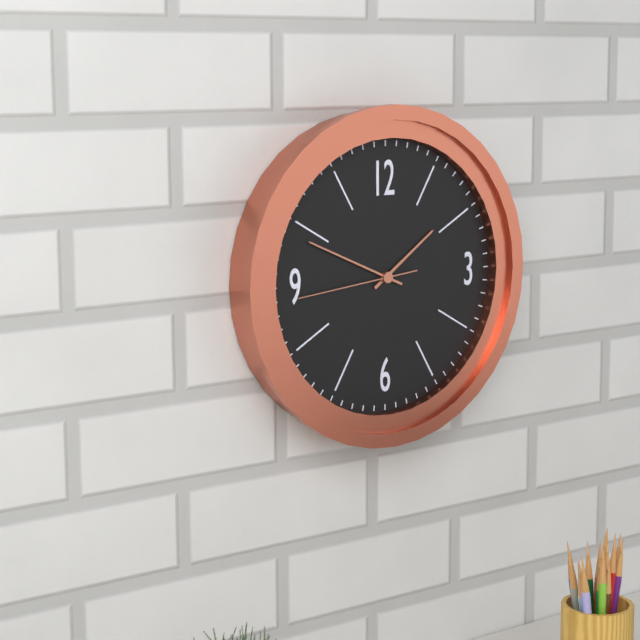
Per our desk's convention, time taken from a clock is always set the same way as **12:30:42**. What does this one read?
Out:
**1:49:44**
